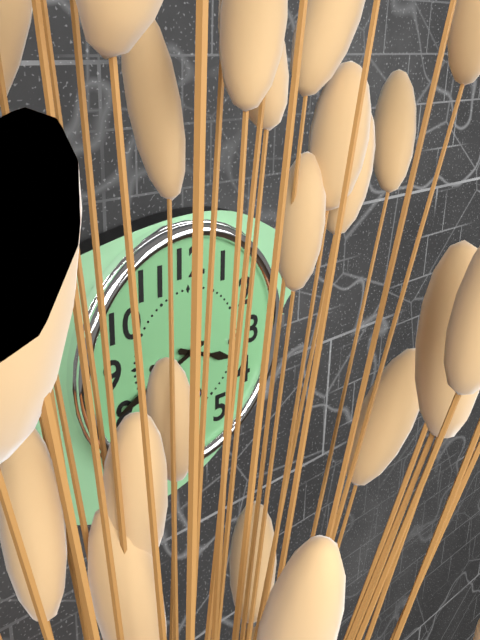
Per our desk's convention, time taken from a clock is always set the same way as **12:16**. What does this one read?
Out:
**3:41**
